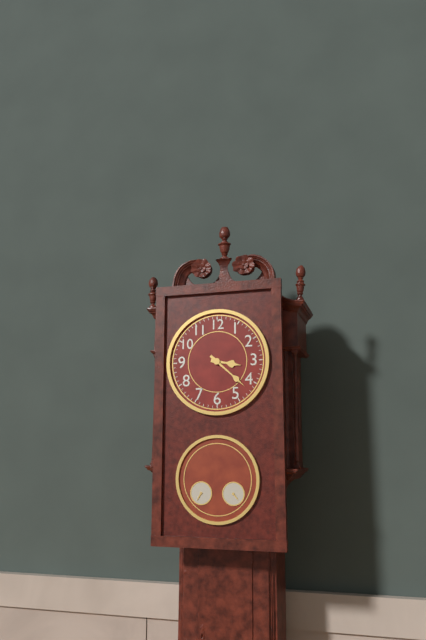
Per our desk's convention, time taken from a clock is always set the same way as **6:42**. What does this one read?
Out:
**3:22**
